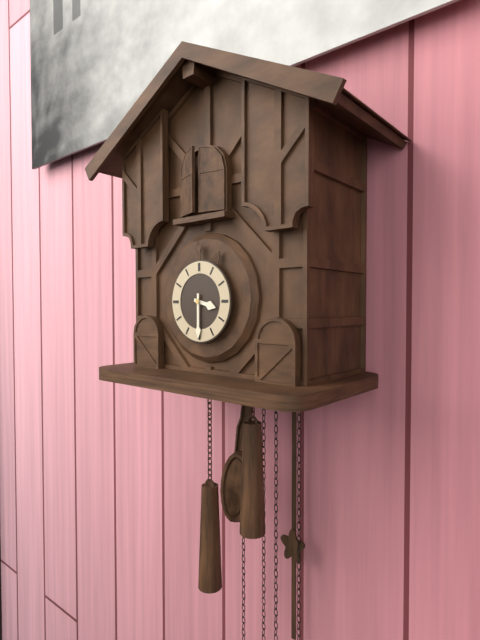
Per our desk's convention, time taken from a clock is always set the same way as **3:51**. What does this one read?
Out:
**3:30**
